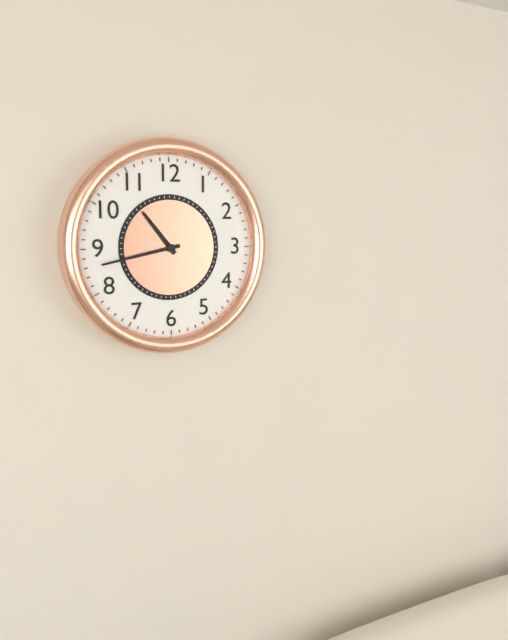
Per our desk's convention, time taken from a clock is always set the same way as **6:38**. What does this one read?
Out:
**10:43**
